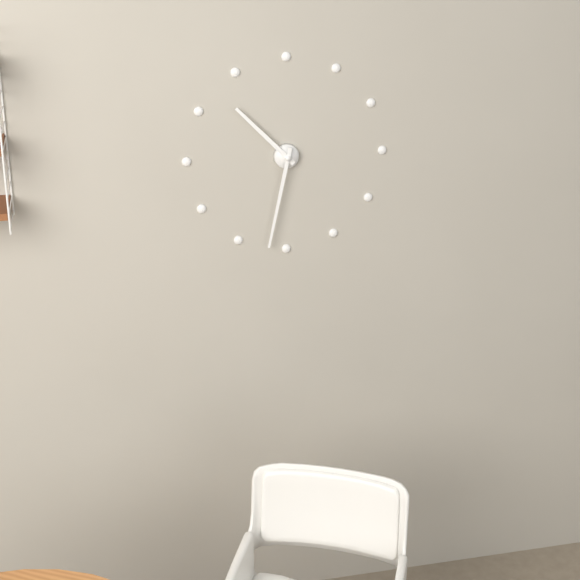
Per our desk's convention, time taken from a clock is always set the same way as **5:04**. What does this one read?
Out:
**10:32**
